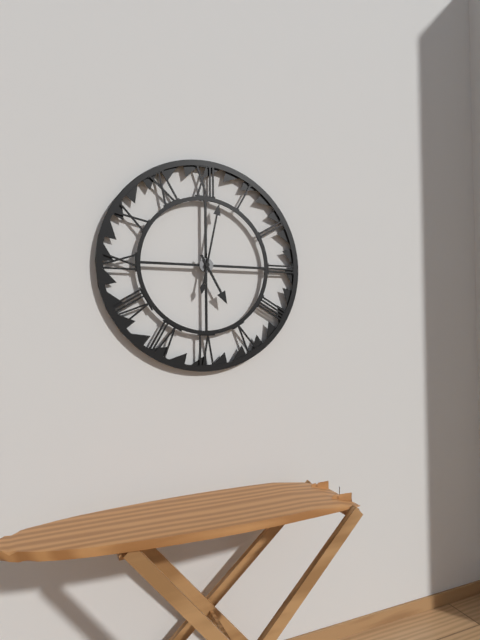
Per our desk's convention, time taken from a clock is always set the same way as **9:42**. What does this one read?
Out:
**5:02**
